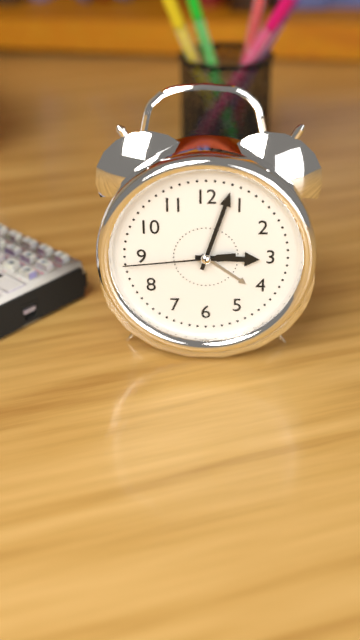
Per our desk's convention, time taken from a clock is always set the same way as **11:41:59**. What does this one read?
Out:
**3:03:44**
